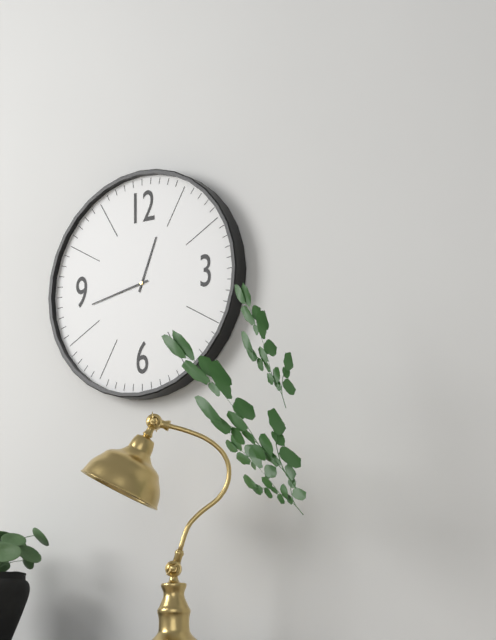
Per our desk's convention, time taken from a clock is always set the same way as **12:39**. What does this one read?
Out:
**12:43**
